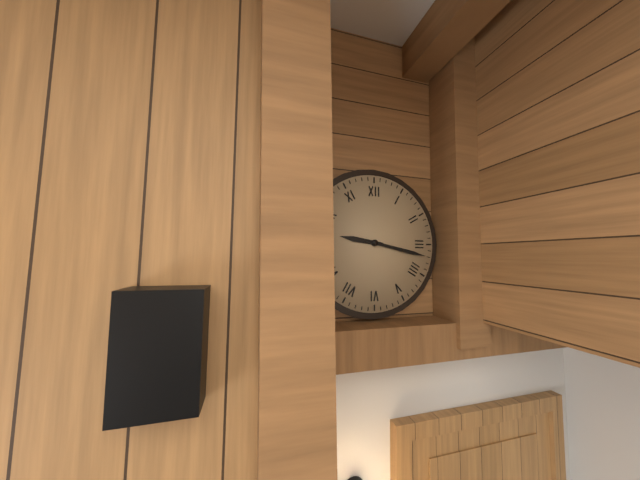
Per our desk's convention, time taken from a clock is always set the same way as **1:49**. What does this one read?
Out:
**9:17**
